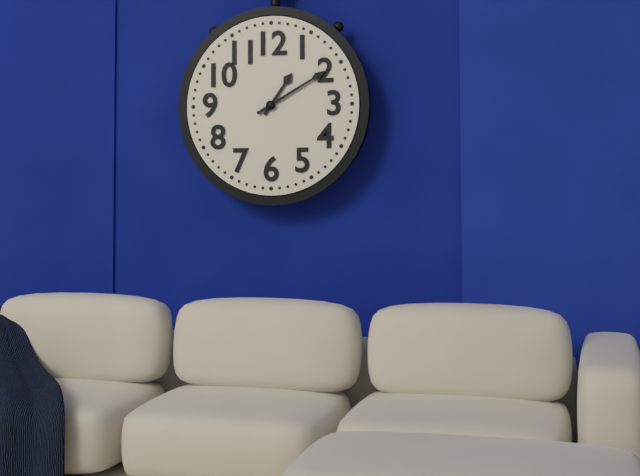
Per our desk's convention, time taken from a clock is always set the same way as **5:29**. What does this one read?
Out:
**1:10**
